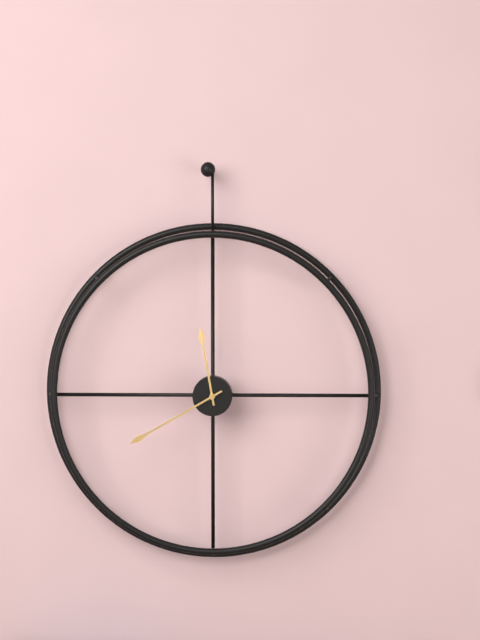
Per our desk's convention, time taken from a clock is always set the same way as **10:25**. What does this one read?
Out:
**11:40**
